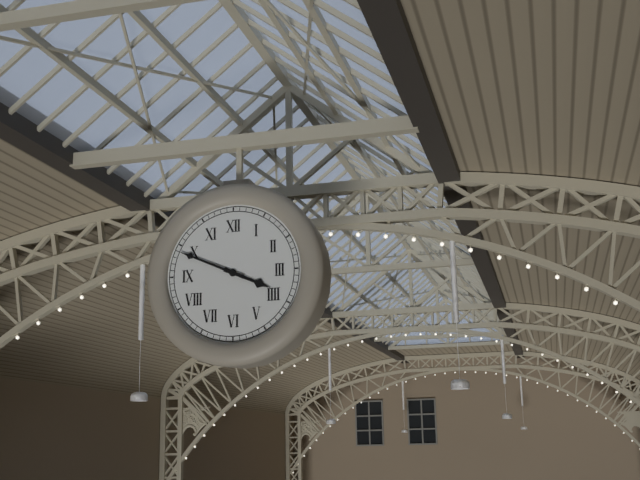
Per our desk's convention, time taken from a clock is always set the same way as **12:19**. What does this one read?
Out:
**3:49**
